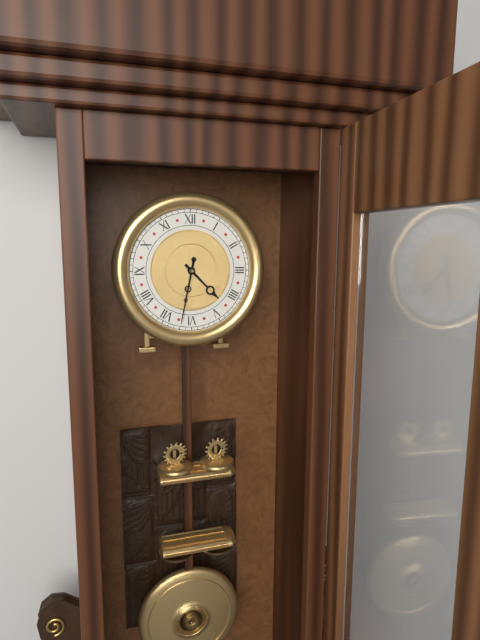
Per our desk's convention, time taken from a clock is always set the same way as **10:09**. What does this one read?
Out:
**4:32**
